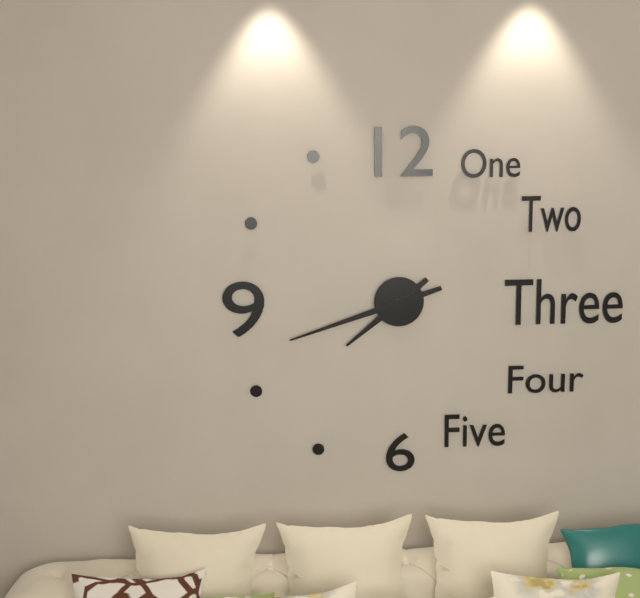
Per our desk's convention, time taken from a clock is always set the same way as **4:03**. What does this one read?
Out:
**7:42**
